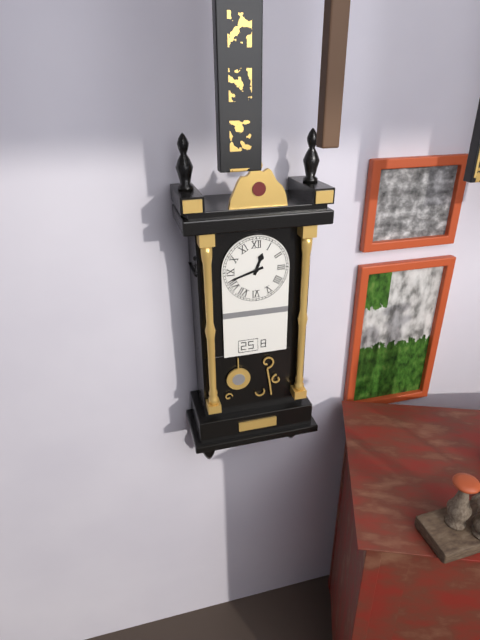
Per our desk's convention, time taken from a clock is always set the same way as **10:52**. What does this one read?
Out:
**12:42**
